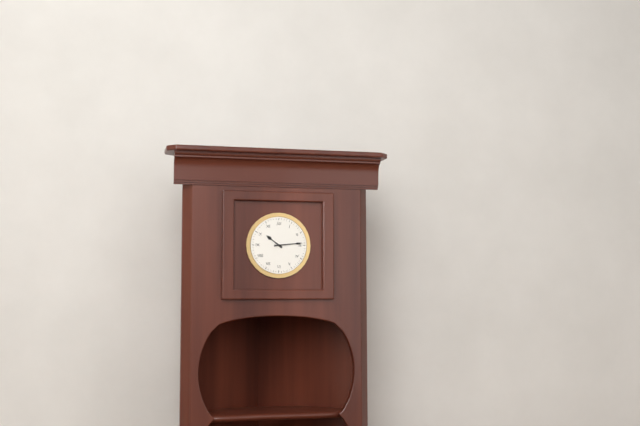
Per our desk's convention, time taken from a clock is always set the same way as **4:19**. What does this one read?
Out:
**10:14**
